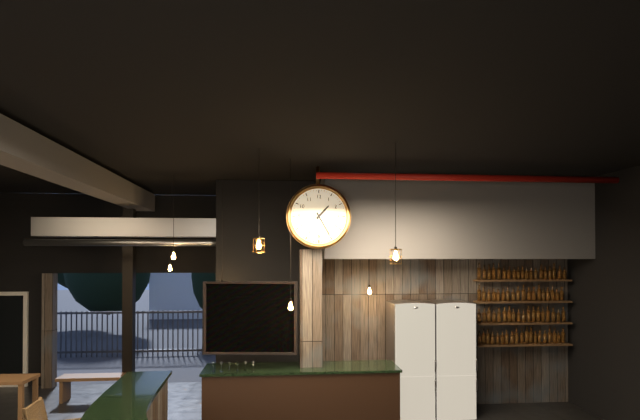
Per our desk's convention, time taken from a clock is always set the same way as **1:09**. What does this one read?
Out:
**1:25**
